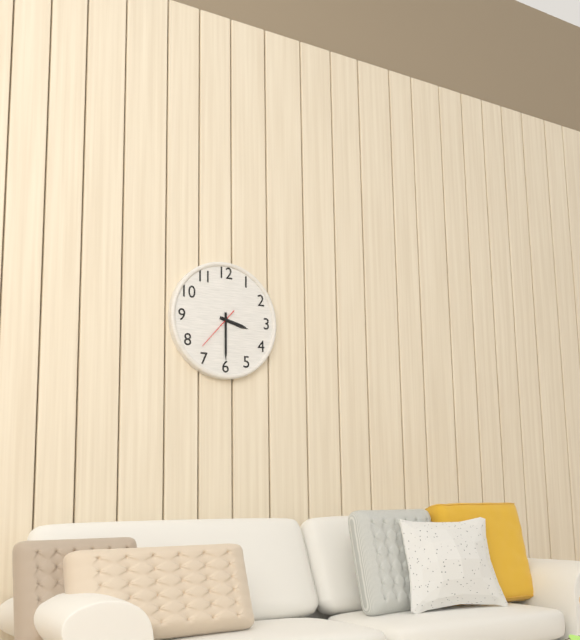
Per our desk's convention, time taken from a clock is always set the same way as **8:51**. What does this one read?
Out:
**3:30**
